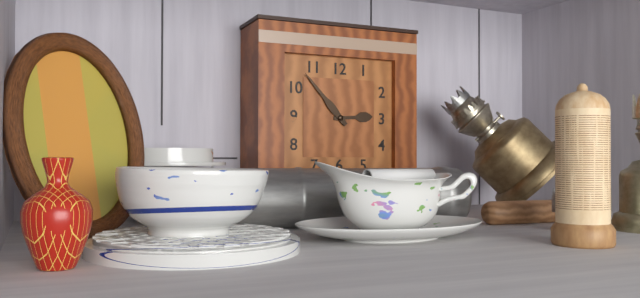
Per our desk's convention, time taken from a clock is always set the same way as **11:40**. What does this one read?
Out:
**2:53**
